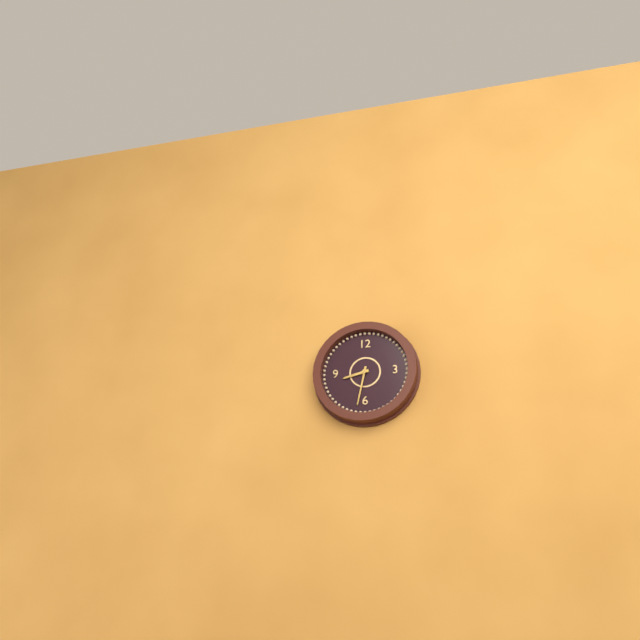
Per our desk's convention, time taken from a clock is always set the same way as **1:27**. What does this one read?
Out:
**8:32**
